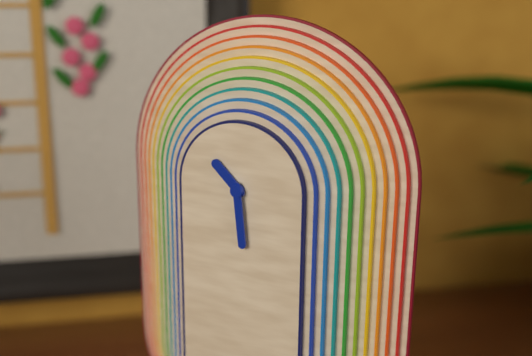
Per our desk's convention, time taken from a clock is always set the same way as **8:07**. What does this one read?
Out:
**10:29**
